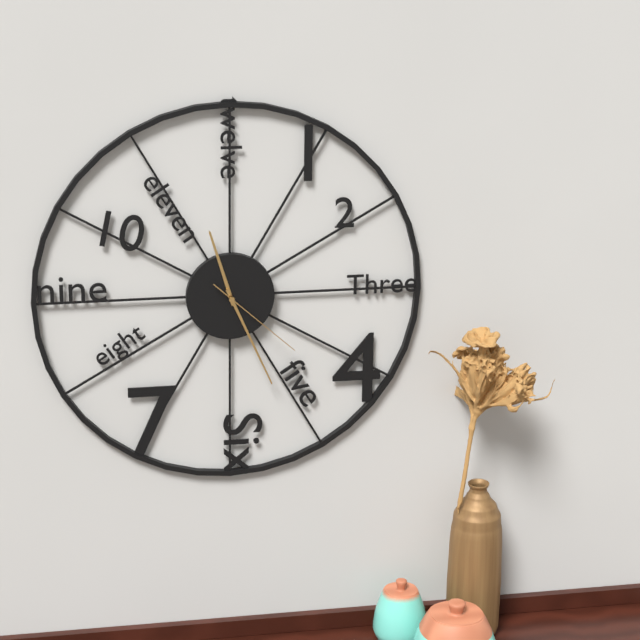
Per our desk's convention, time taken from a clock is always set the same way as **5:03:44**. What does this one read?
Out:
**11:26:22**
